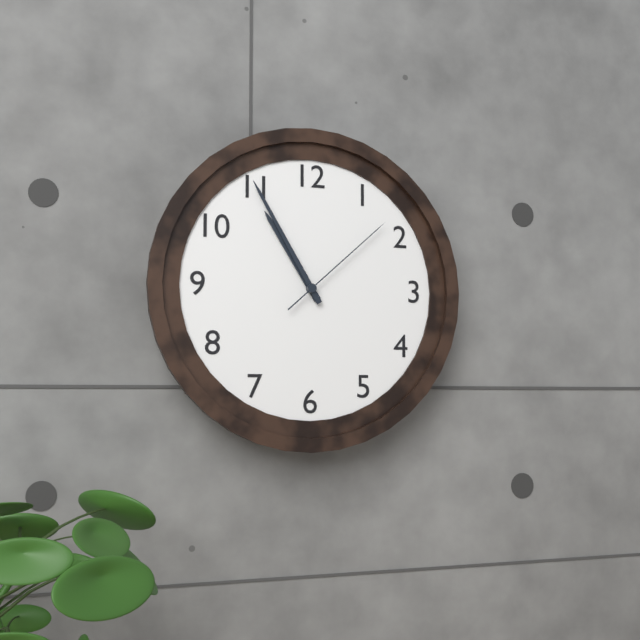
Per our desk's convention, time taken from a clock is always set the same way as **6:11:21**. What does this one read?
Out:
**10:55:08**
